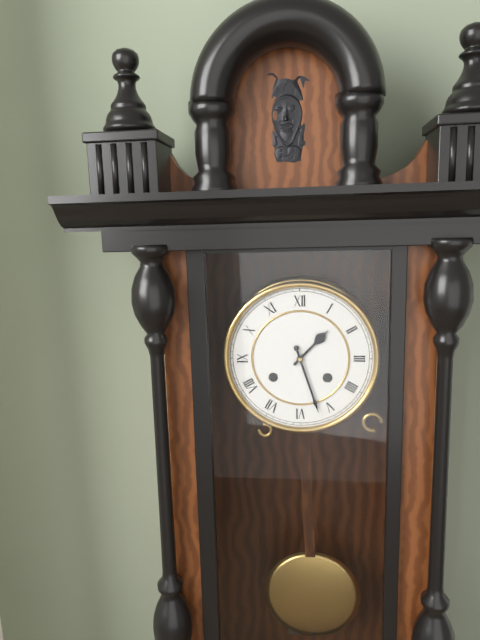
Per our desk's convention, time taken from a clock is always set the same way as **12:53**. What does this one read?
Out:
**1:27**
